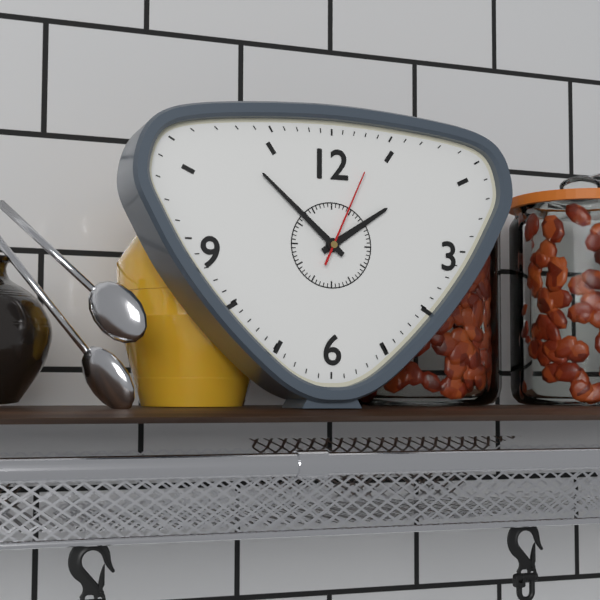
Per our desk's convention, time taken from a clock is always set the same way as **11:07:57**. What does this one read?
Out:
**1:52:04**
